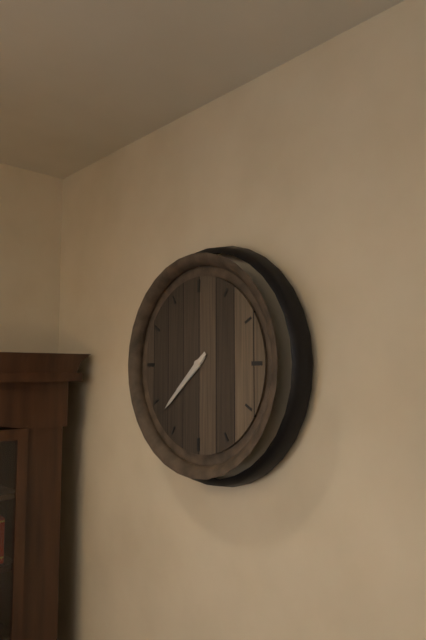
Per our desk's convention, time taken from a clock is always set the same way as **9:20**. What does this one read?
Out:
**7:38**
